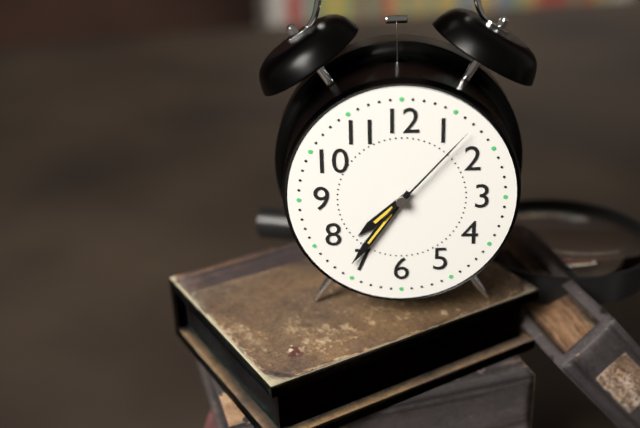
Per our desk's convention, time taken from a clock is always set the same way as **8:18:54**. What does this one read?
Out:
**7:36:07**
